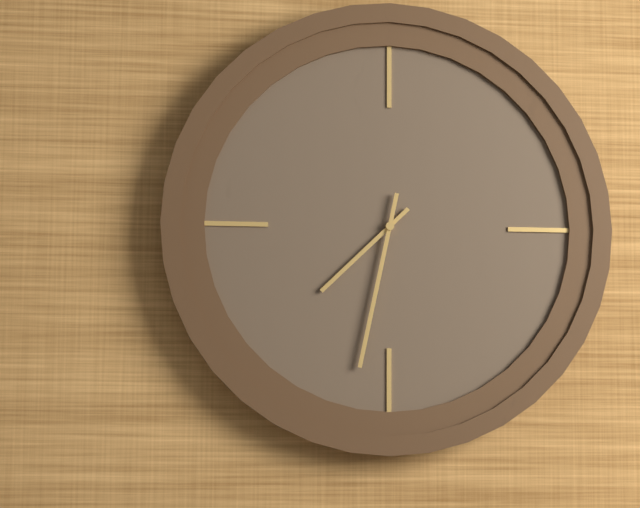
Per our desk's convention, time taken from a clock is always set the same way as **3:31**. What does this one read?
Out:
**7:32**
